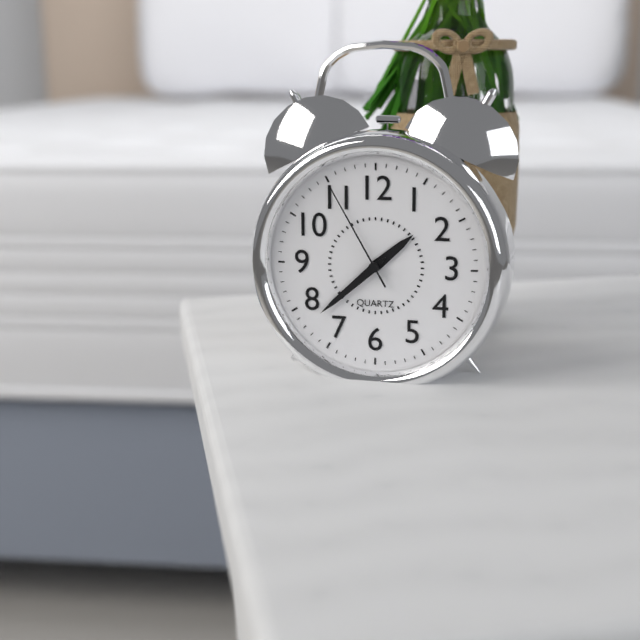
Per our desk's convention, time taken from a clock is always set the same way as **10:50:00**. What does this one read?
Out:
**1:38:55**
